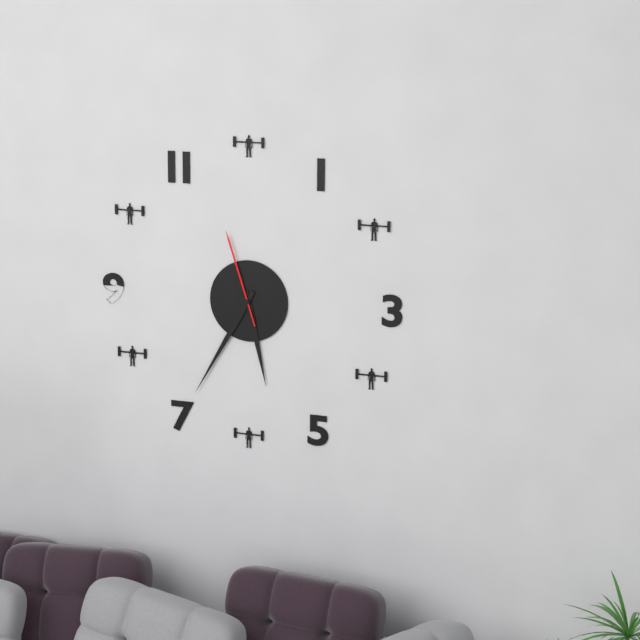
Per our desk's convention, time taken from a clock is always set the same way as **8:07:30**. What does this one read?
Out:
**5:35:57**
